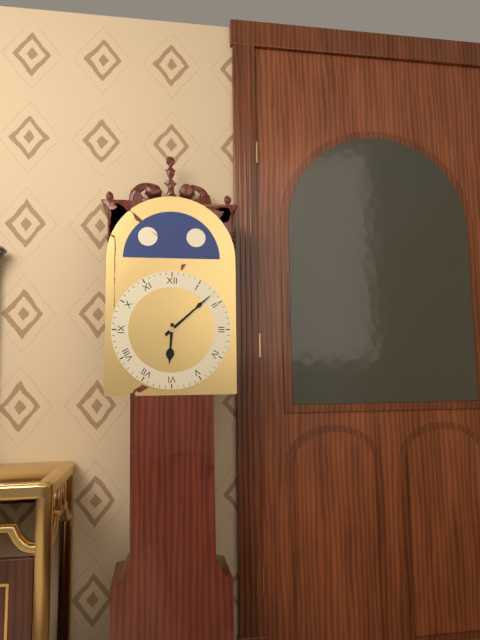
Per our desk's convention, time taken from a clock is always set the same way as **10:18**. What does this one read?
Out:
**6:08**
